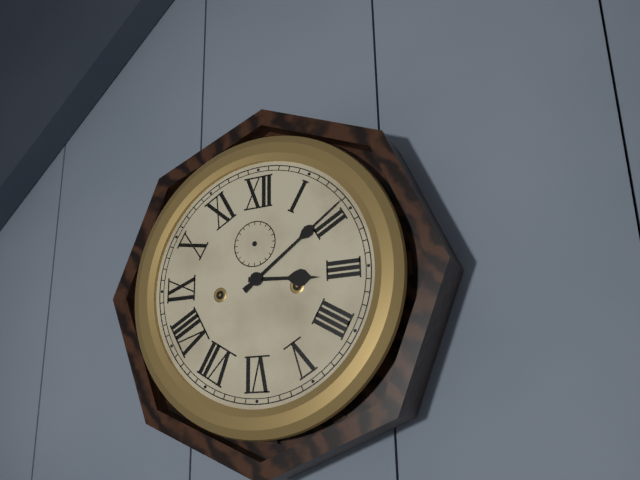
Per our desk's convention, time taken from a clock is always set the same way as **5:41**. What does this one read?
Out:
**3:09**
